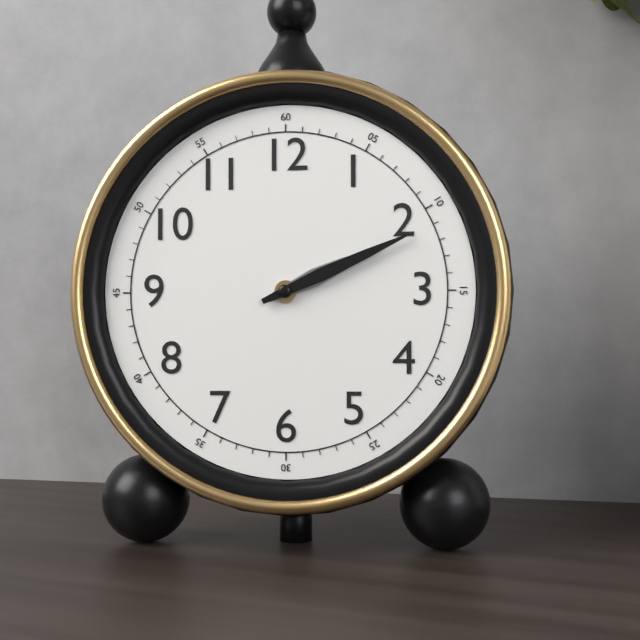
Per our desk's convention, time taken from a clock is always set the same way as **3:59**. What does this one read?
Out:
**2:11**
